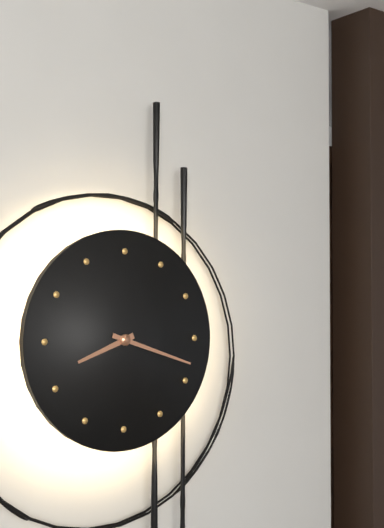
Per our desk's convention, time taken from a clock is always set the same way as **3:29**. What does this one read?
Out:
**8:18**
